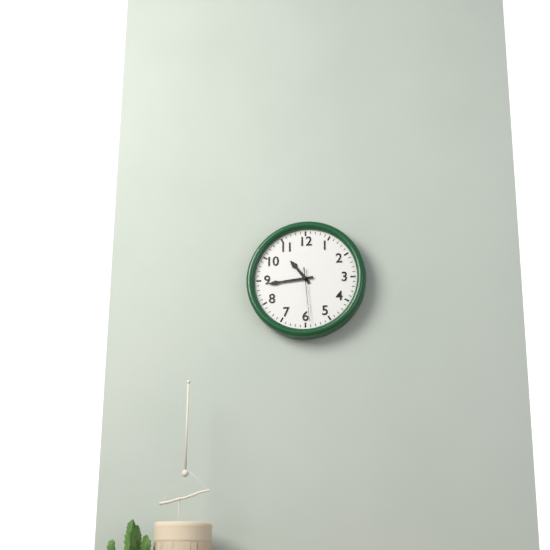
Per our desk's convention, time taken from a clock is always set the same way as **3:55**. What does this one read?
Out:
**10:44**
